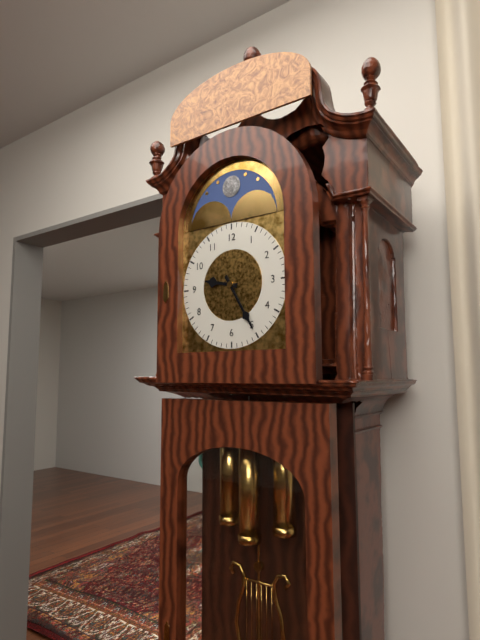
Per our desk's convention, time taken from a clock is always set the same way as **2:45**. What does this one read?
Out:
**9:25**
